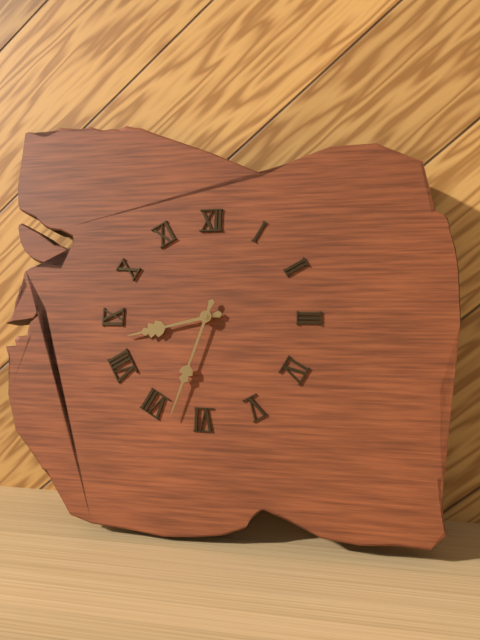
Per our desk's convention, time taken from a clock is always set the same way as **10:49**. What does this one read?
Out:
**8:33**
